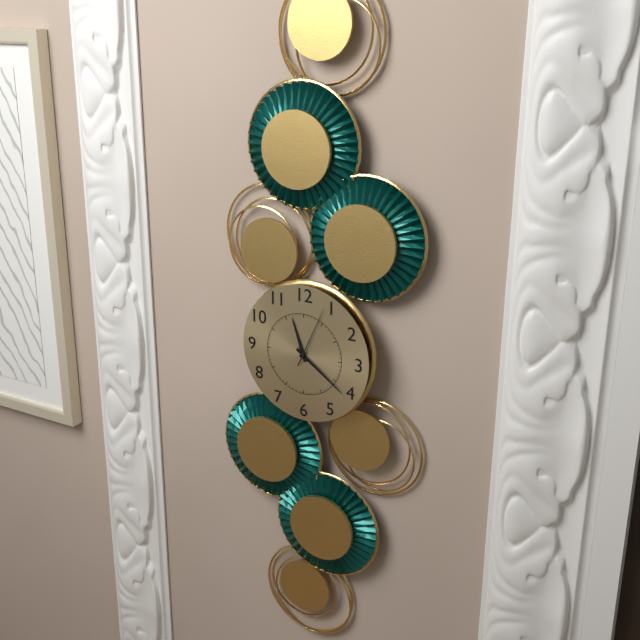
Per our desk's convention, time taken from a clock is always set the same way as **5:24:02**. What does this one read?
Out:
**11:21:04**
